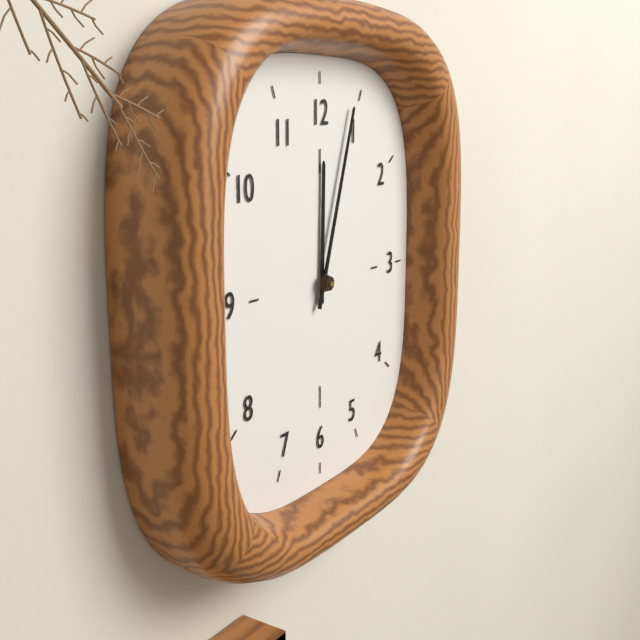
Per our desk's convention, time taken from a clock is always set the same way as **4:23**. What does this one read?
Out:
**12:03**
